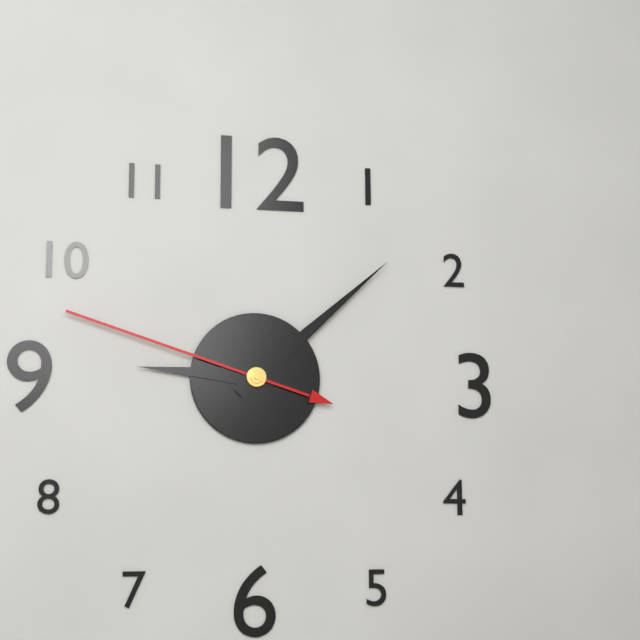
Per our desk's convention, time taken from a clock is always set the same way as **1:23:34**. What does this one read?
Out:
**9:08:48**
